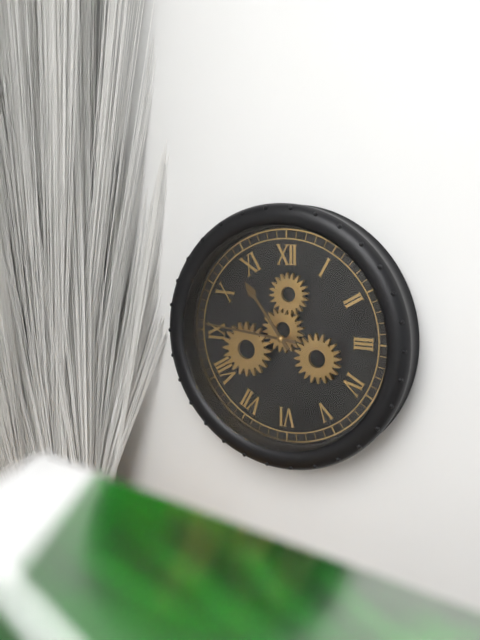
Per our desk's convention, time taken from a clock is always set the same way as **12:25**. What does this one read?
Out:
**10:46**
